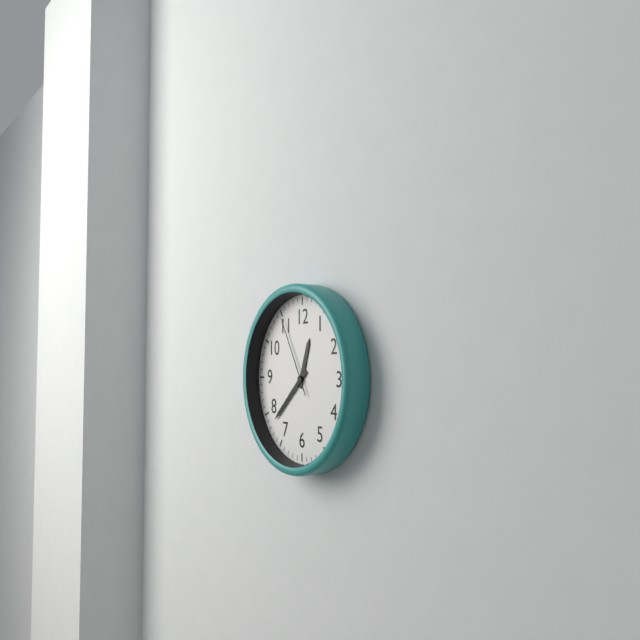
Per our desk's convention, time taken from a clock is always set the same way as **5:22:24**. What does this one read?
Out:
**12:38:55**
